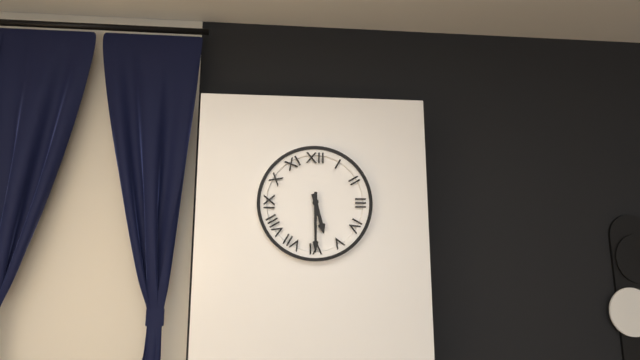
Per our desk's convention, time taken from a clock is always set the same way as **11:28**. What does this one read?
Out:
**5:30**
